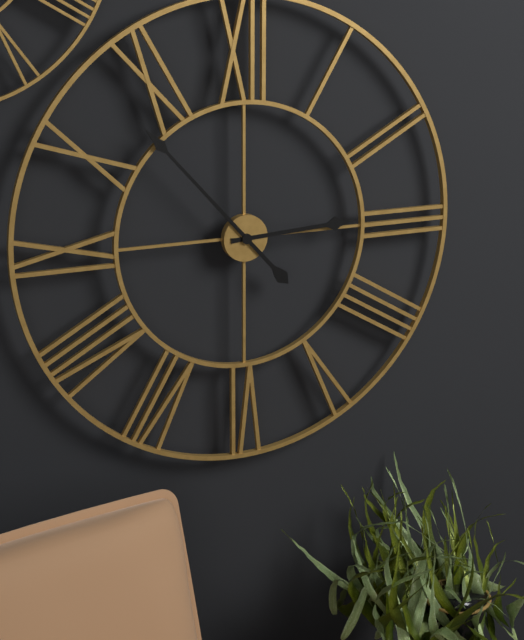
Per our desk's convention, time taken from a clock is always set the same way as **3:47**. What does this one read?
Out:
**2:53**
